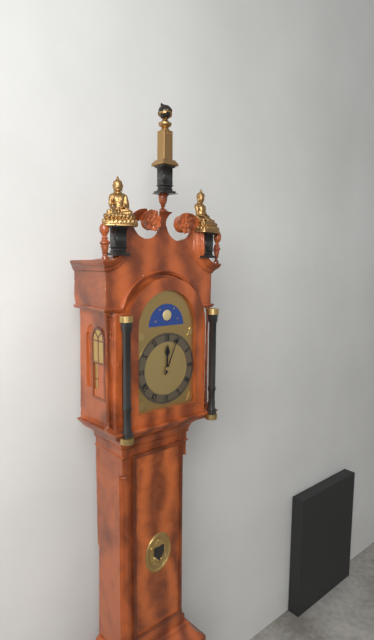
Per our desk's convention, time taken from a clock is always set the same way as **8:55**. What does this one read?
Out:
**12:04**
